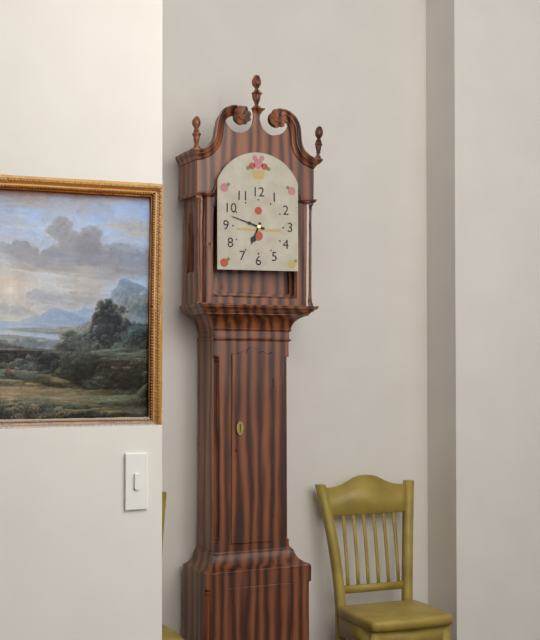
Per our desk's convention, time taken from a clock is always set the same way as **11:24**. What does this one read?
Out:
**6:48**
